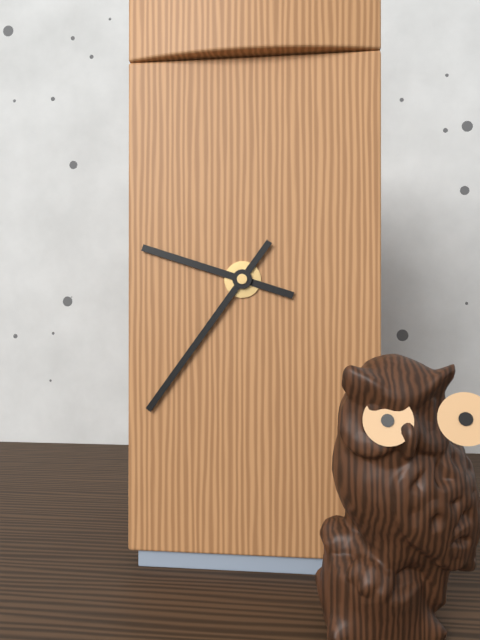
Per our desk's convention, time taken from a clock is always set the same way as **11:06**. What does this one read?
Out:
**9:36**
